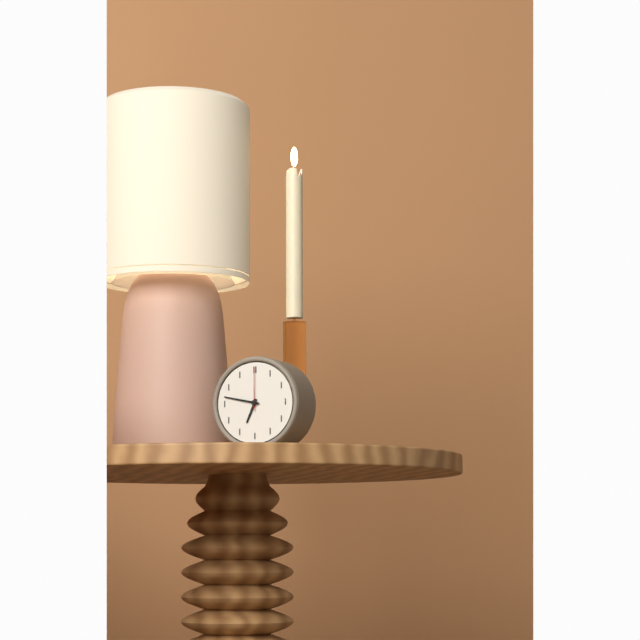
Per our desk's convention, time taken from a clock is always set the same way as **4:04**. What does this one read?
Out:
**6:47**
